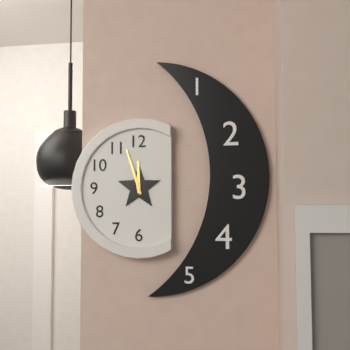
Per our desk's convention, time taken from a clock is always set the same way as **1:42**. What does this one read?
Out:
**11:57**
